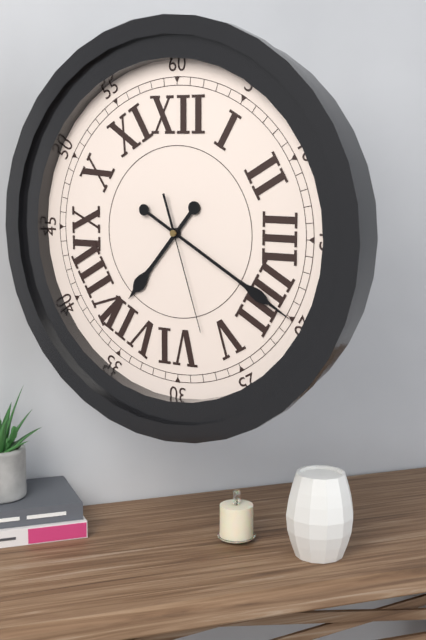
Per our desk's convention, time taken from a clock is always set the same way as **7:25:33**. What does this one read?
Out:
**7:20:27**
